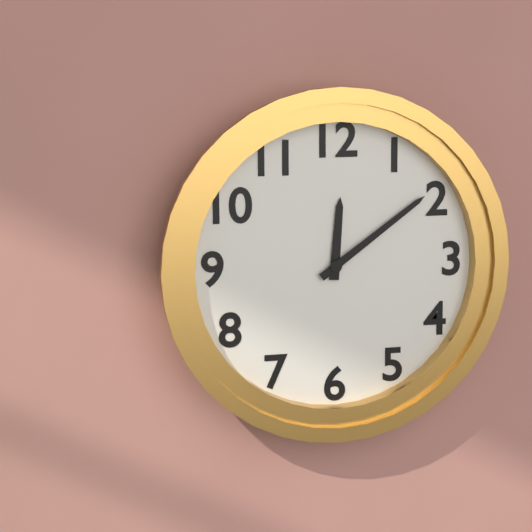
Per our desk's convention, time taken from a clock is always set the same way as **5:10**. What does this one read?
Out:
**12:09**
